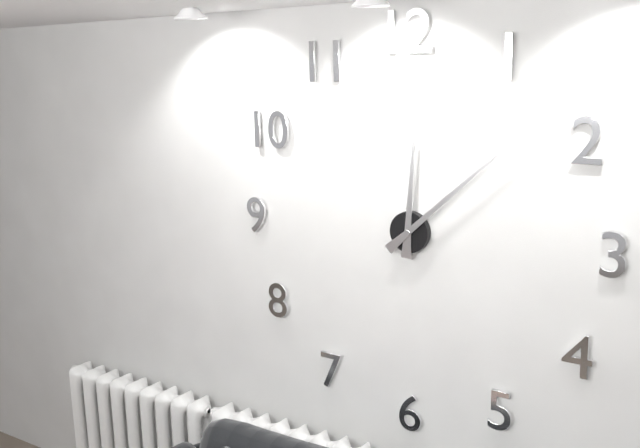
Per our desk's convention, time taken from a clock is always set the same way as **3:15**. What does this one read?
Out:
**12:08**
